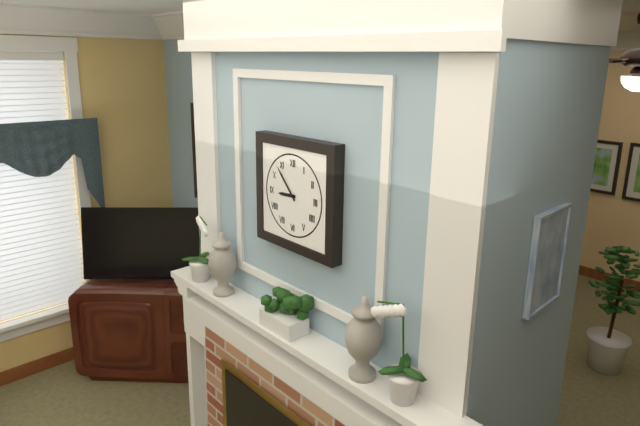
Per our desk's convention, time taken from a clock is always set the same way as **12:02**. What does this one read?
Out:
**8:53**
